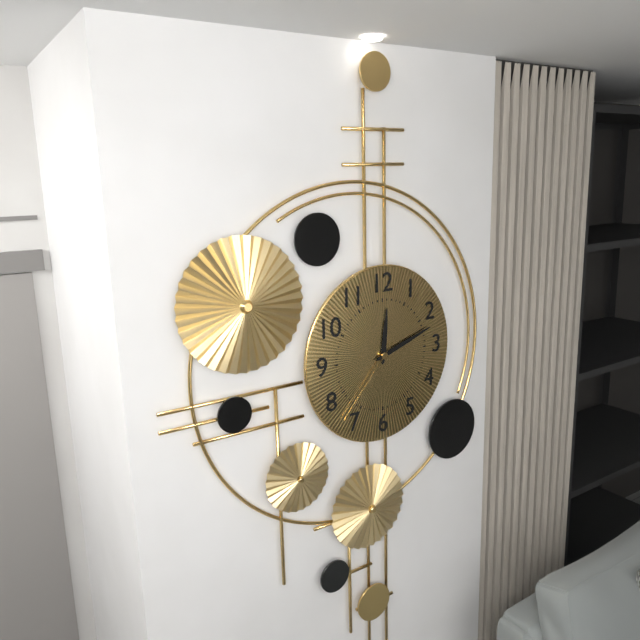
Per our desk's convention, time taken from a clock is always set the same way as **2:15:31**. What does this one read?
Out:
**12:12:37**
